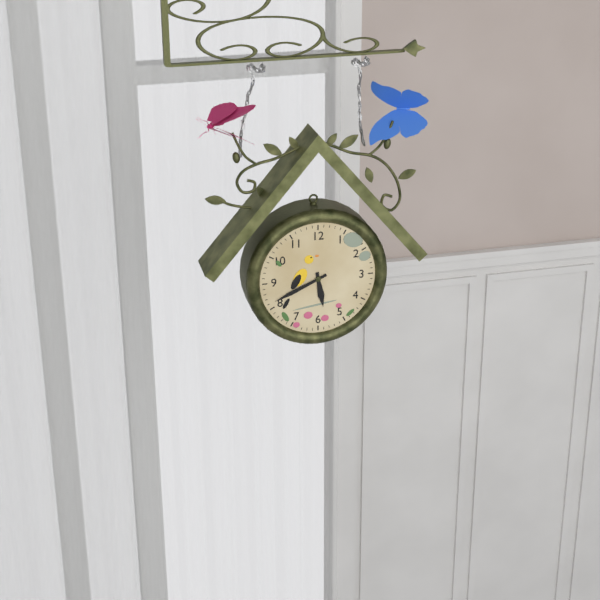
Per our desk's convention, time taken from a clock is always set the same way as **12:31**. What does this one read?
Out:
**5:41**
